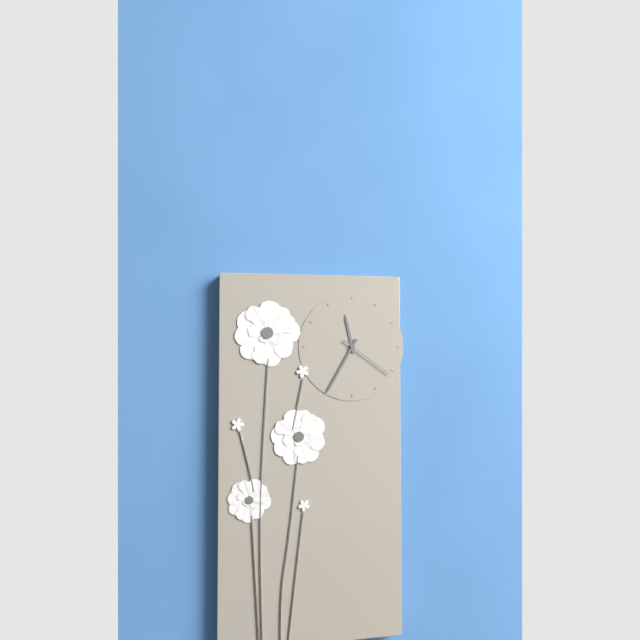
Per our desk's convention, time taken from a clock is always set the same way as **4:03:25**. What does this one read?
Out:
**11:35:21**
